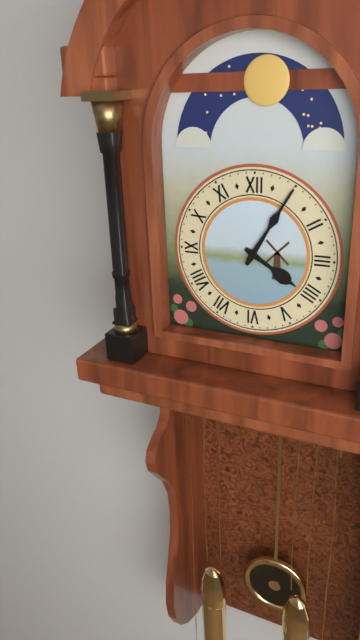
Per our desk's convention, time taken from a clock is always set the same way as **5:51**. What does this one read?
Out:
**4:05**
